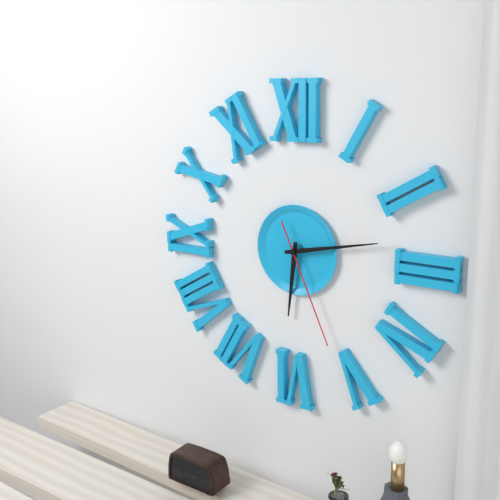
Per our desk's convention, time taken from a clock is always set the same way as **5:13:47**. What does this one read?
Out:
**6:13:26**
